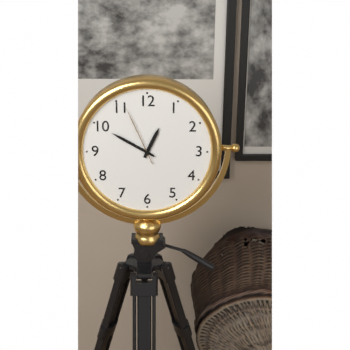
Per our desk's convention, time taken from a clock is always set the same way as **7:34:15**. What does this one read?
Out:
**12:50:56**
